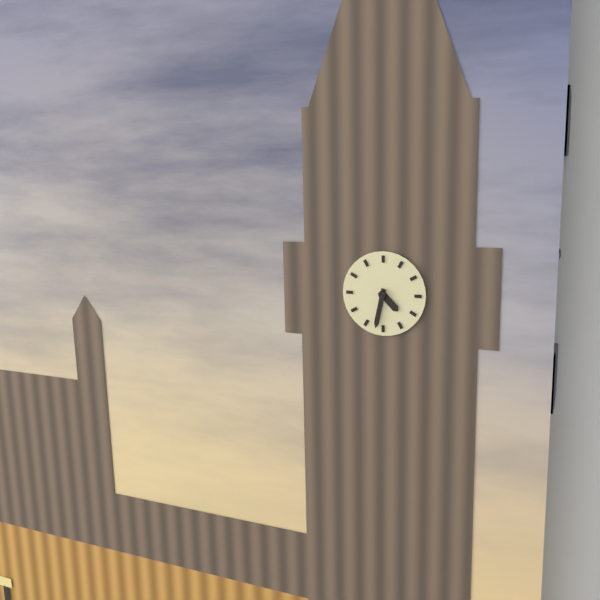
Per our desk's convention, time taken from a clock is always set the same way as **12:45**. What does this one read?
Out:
**4:32**
